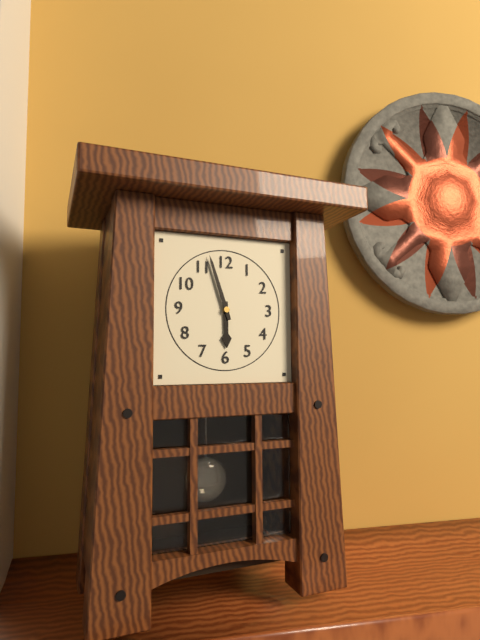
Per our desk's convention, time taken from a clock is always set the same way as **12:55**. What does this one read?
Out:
**5:57**
